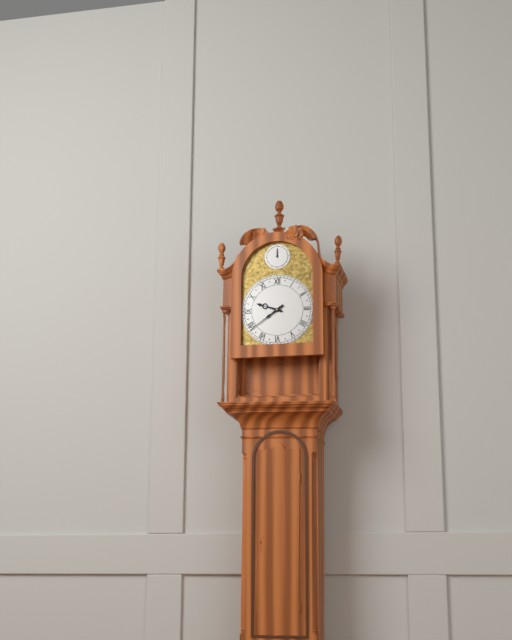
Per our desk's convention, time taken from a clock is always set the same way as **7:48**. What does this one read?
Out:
**9:39**
